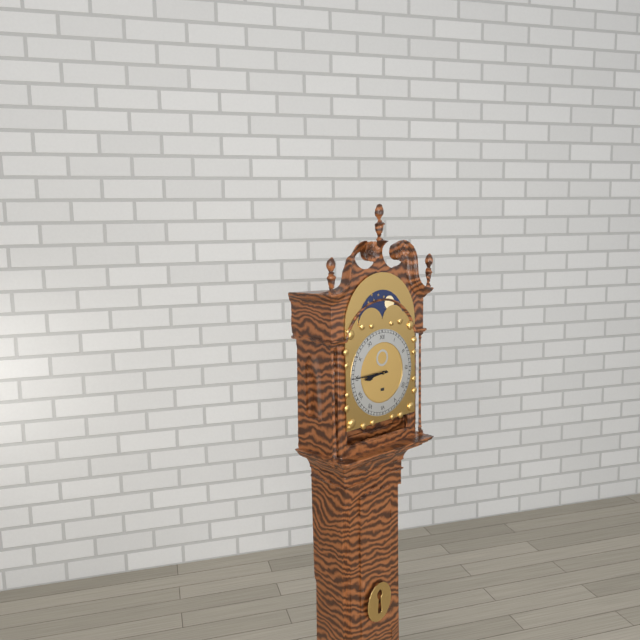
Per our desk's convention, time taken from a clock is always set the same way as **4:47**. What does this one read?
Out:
**8:45**
